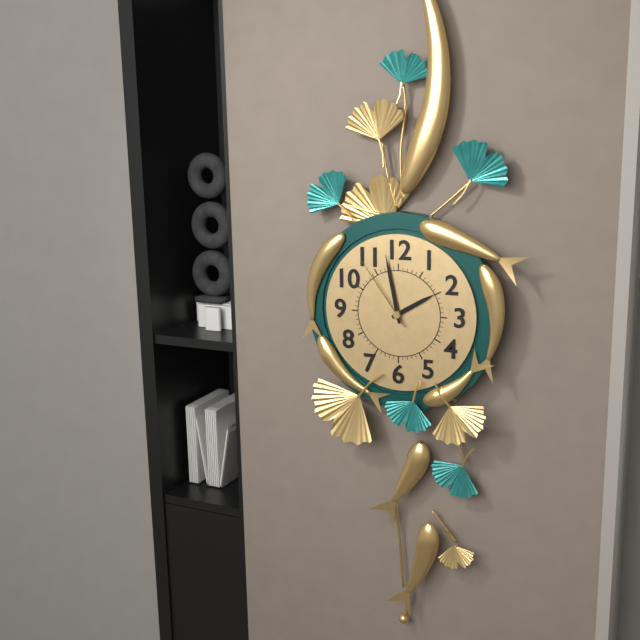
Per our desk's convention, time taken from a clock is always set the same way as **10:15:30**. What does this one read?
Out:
**1:58:54**
